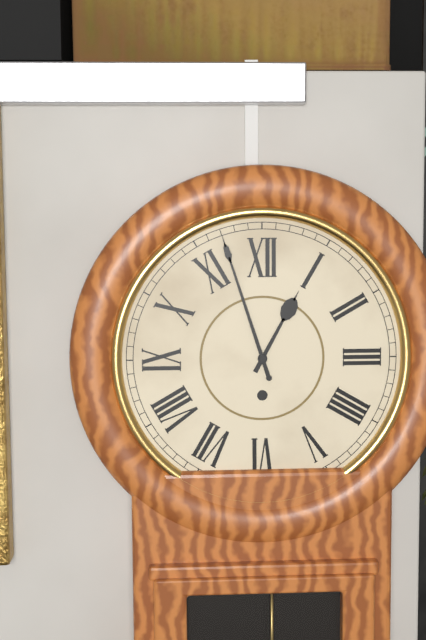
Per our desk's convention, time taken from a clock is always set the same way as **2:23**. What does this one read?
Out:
**12:57**
